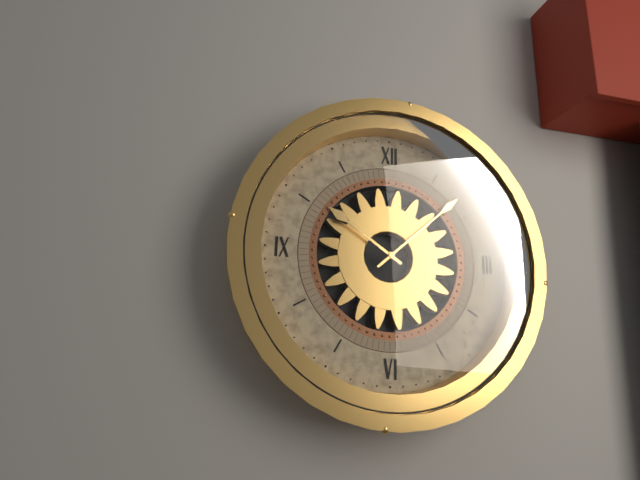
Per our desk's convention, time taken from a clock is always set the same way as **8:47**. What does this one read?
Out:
**10:08**
